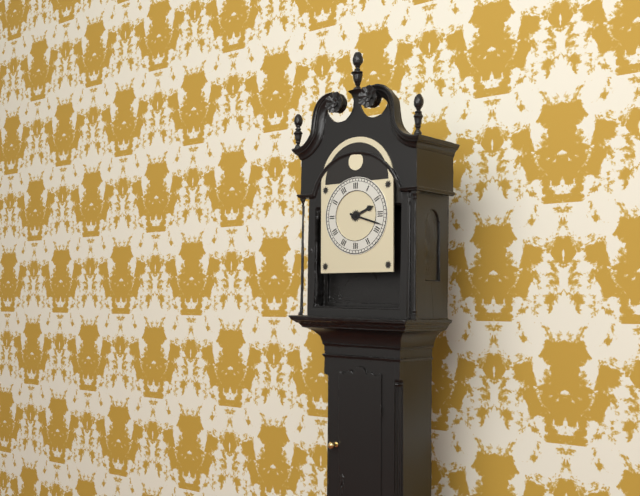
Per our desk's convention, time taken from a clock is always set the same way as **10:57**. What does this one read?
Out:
**2:18**
